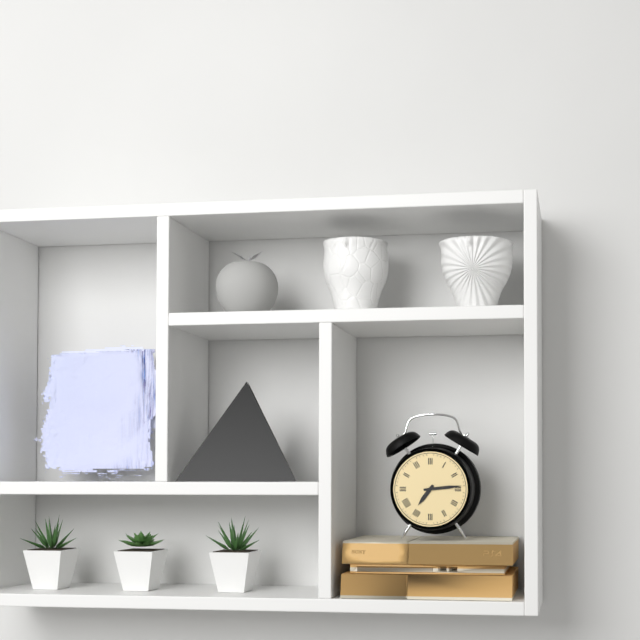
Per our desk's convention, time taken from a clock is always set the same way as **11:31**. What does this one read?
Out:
**7:14**
